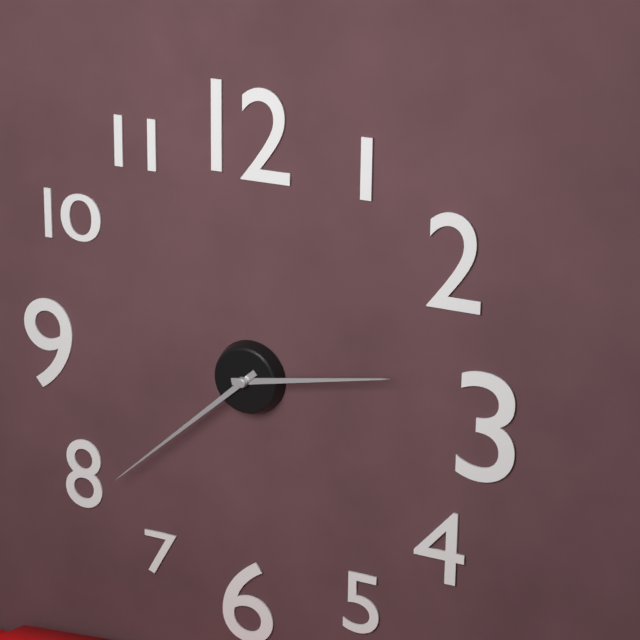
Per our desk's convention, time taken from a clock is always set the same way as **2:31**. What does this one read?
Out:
**2:38**
